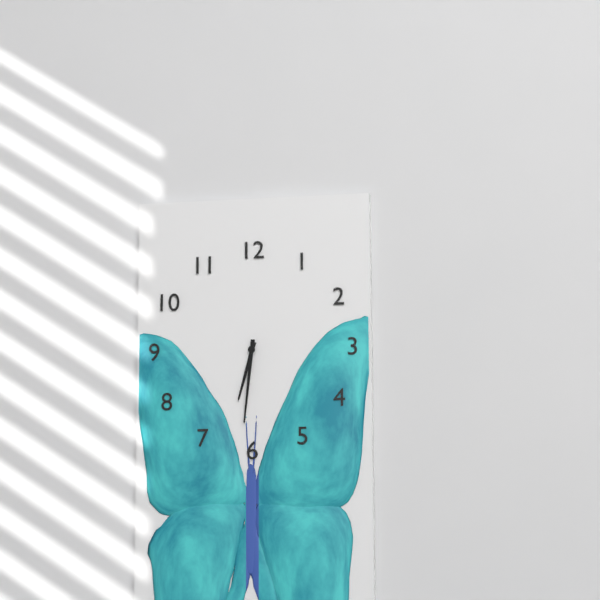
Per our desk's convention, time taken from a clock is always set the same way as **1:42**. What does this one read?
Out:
**6:31**
